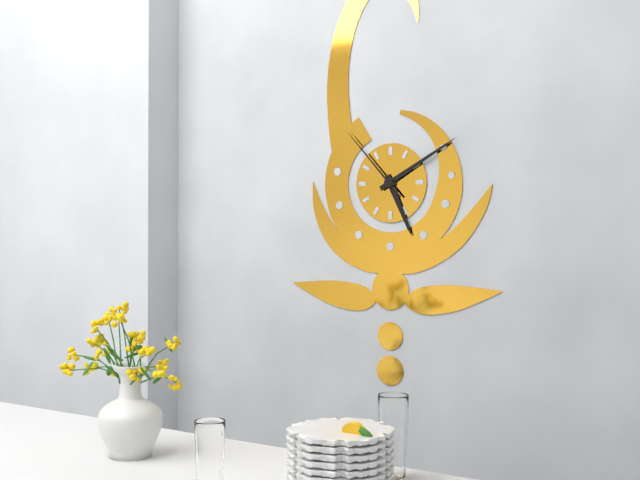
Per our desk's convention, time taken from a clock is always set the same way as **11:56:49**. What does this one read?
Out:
**5:10:53**
